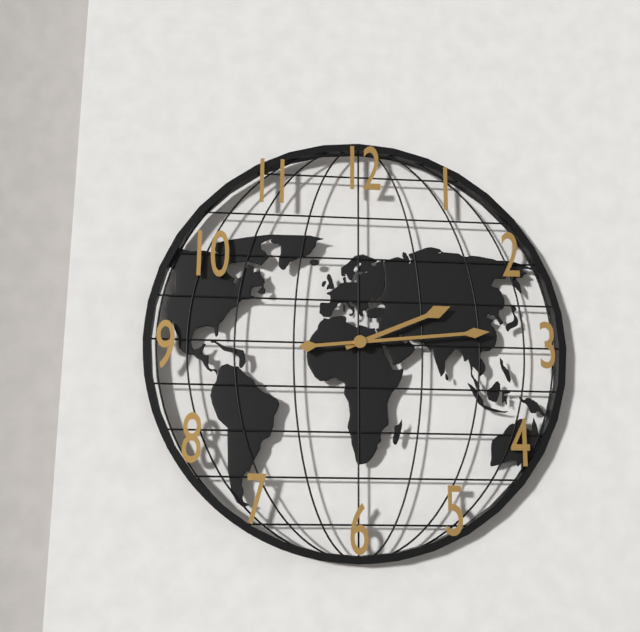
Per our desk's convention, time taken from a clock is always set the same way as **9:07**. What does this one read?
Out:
**2:14**
